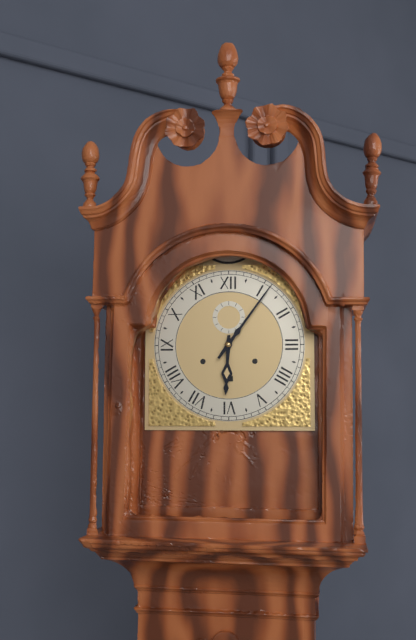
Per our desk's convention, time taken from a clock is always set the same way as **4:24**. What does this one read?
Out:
**6:06**
